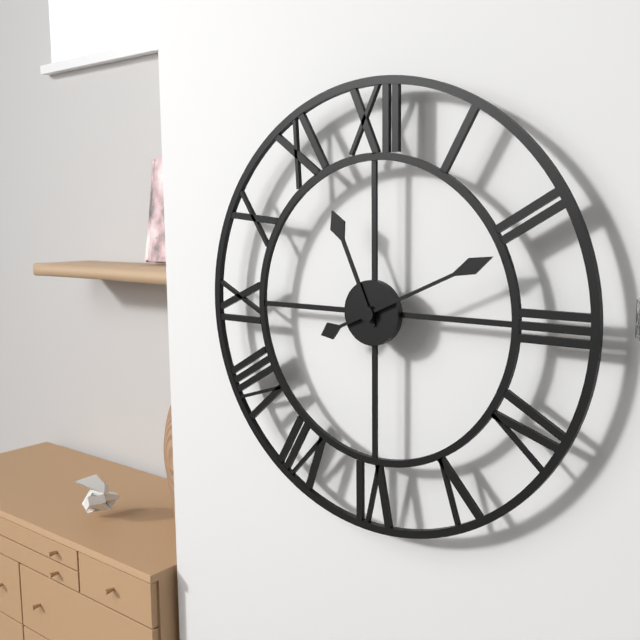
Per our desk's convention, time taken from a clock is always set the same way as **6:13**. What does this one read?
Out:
**11:11**
